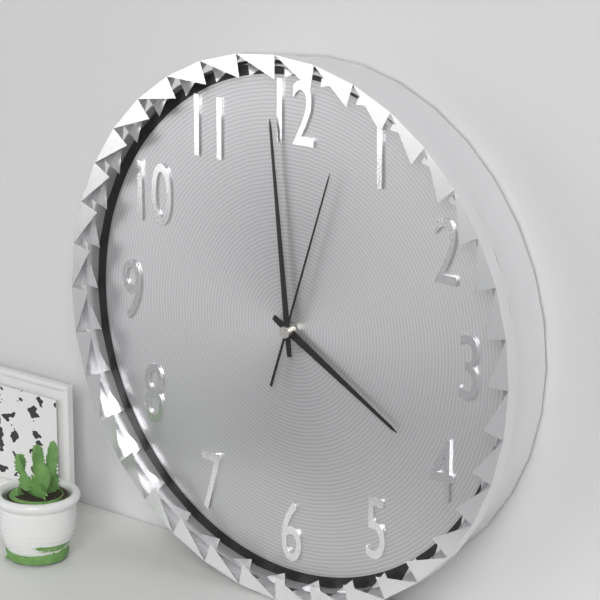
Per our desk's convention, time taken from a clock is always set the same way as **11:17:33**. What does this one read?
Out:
**3:59:03**
